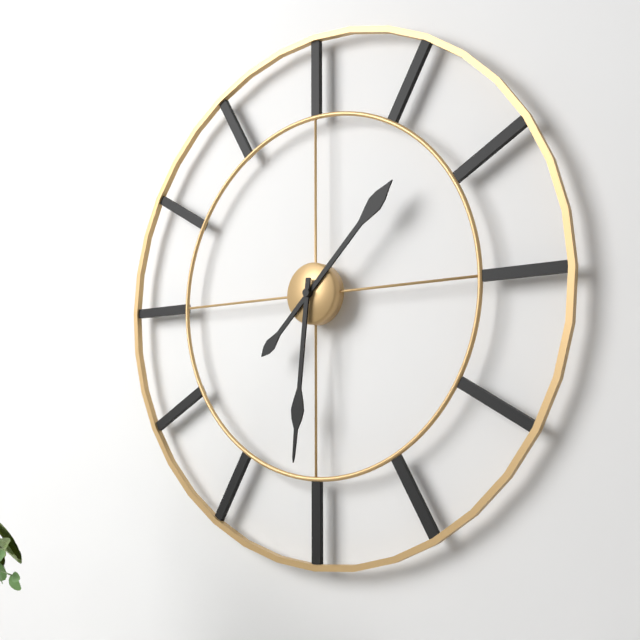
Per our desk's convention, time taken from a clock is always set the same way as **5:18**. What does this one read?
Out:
**1:31**
